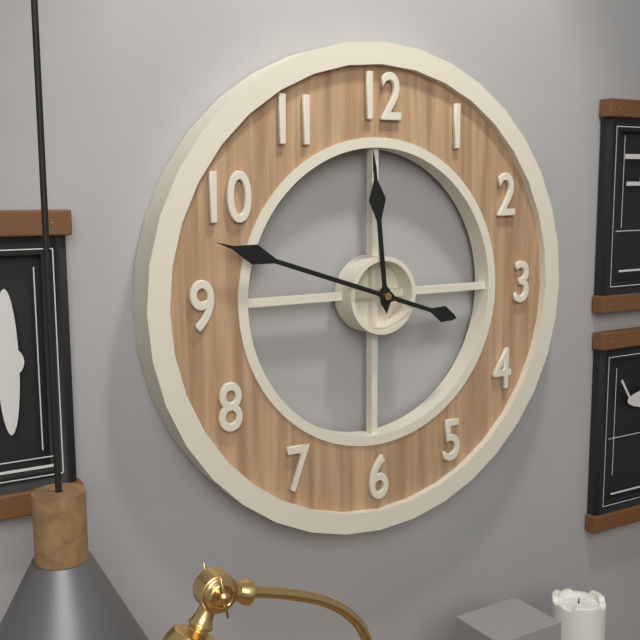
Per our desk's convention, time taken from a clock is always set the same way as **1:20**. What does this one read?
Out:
**11:48**
